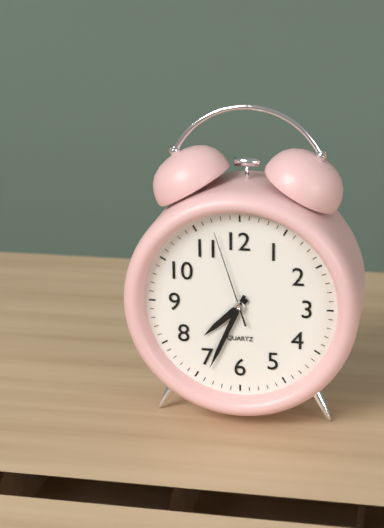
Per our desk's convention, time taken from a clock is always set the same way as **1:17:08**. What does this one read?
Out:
**7:34:57**
